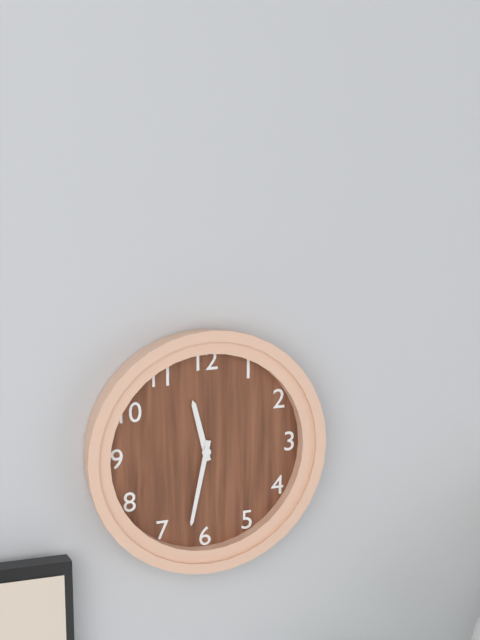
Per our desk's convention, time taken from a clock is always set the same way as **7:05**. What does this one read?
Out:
**11:32**
